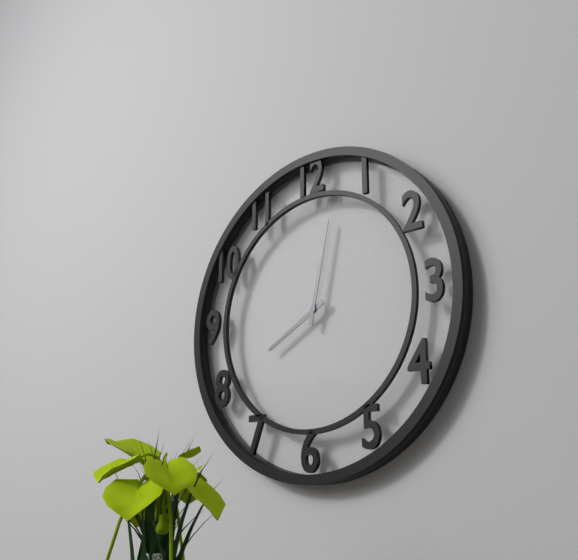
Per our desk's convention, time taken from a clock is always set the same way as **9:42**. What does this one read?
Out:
**8:02**
